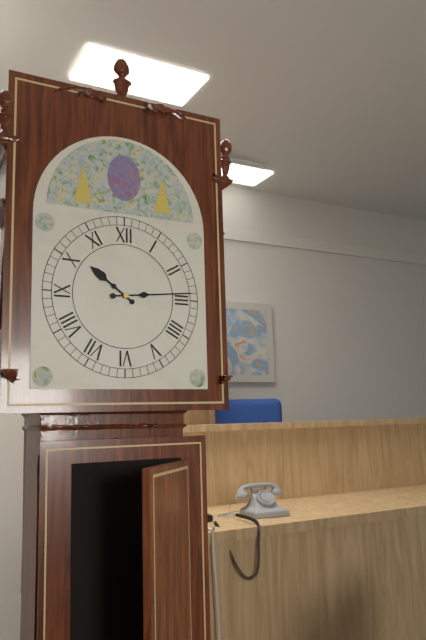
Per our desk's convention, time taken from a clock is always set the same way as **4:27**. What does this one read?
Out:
**10:14**
